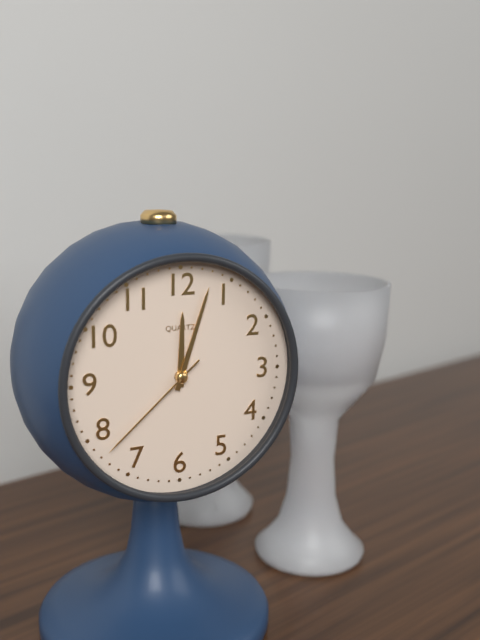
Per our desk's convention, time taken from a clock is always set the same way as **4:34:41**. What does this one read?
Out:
**12:03:38**
